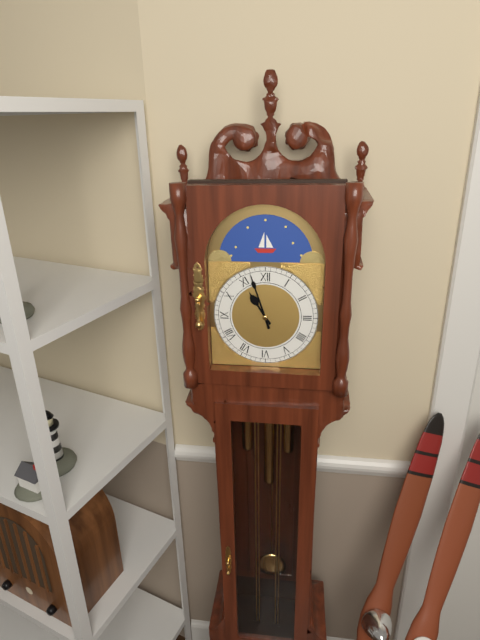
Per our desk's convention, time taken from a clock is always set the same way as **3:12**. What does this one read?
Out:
**10:57**
